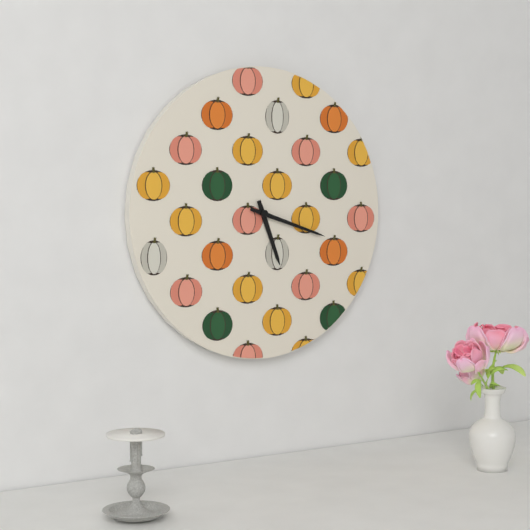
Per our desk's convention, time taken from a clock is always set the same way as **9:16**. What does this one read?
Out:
**5:18**
